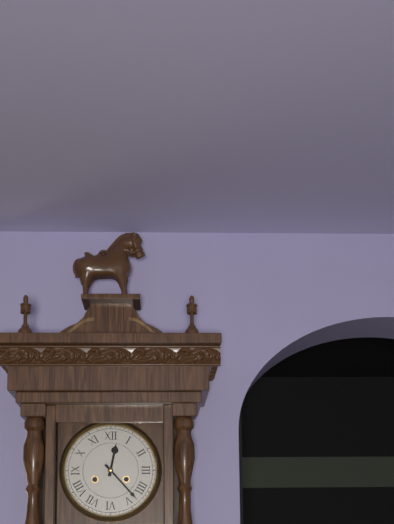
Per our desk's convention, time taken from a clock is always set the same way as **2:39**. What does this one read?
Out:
**12:23**
